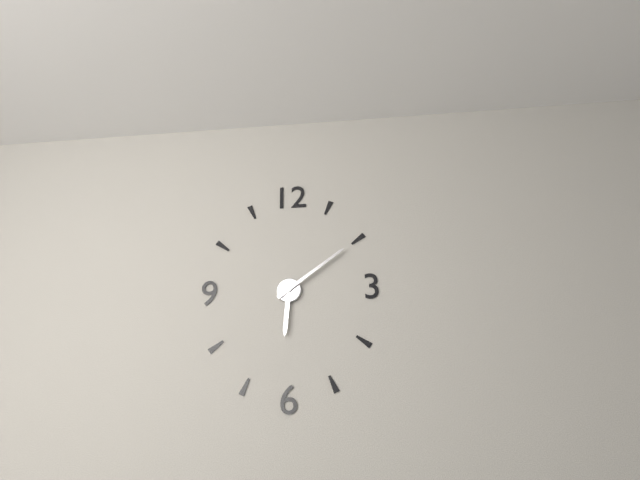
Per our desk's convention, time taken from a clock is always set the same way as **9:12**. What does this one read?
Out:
**6:09**
